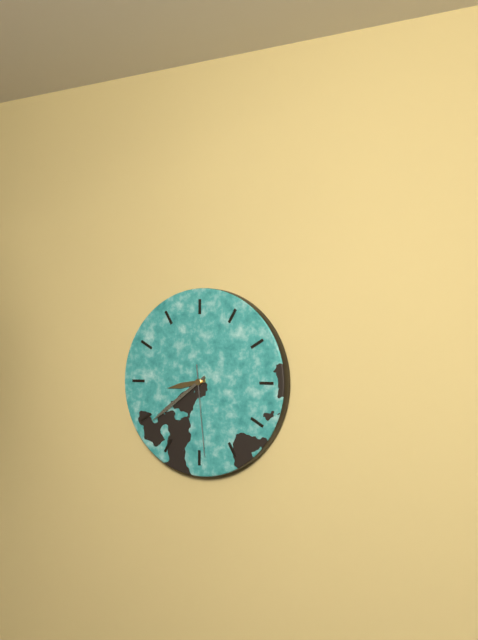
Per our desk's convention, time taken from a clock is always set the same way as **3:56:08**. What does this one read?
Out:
**8:39:29**
